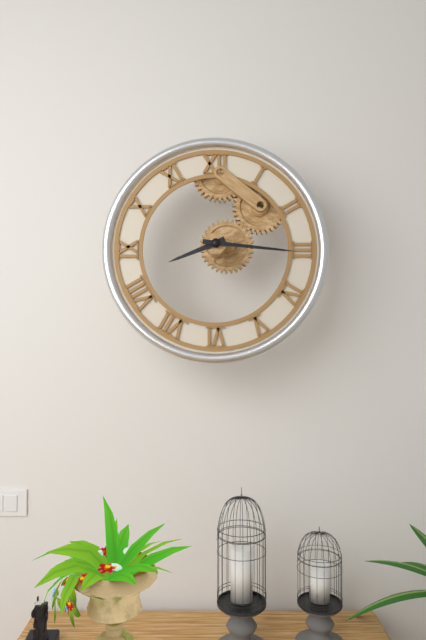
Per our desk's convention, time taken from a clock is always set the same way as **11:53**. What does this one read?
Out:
**8:16**
